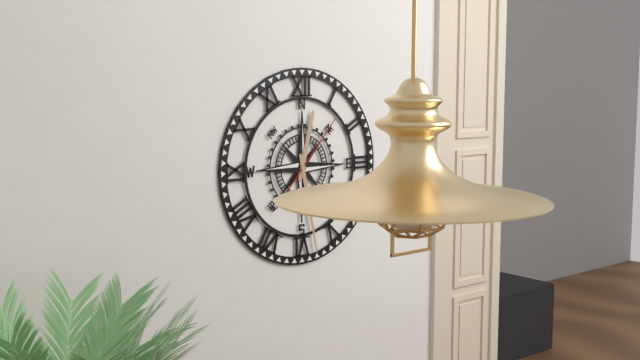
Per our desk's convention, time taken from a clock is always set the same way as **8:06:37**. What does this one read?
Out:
**12:28:07**
